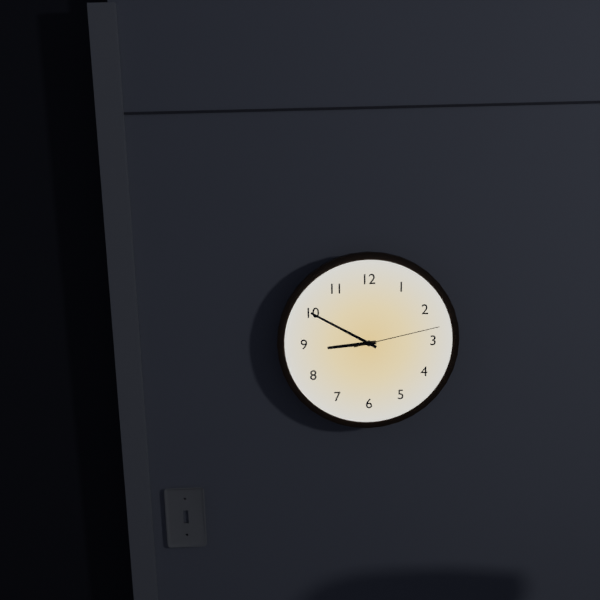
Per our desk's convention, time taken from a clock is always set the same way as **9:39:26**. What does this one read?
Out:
**8:50:13**
